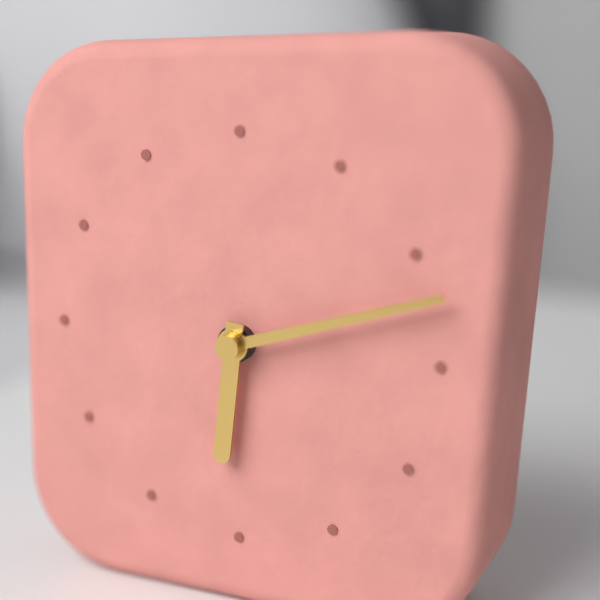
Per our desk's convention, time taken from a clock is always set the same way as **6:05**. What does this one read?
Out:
**6:12**
